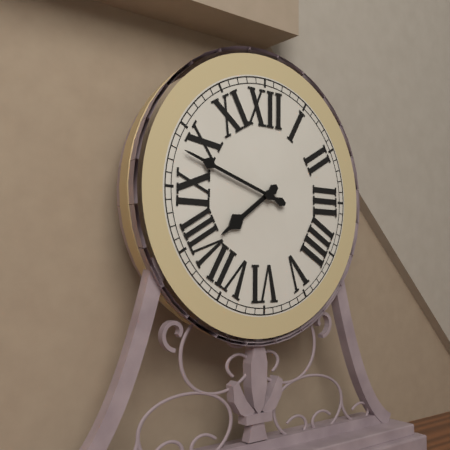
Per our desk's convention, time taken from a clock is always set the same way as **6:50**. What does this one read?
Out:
**7:48**
